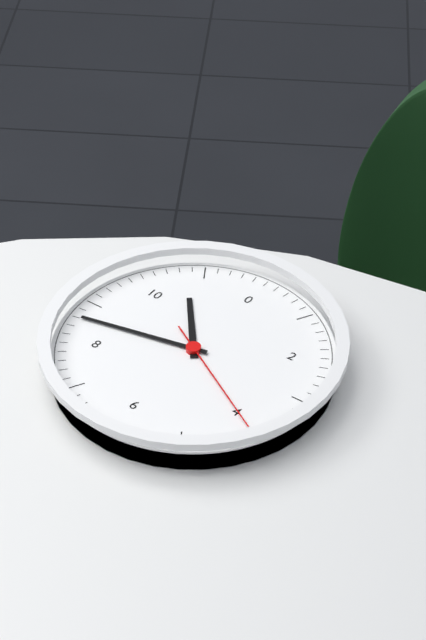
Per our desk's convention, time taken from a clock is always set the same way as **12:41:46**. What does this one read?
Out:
**10:43:20**
